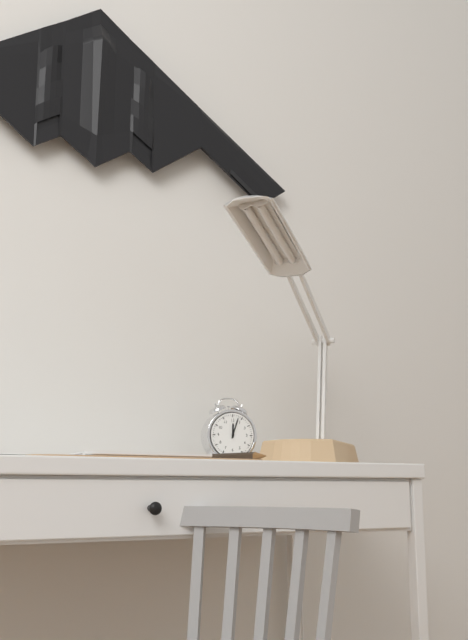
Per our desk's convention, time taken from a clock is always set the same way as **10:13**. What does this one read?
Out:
**12:03**
